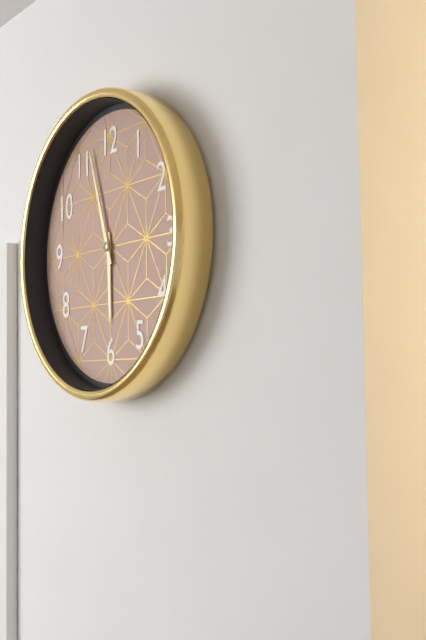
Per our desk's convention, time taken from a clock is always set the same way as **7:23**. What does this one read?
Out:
**5:57**
